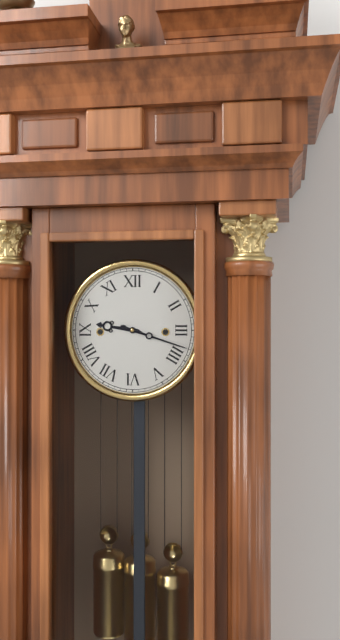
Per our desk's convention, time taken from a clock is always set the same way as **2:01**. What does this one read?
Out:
**9:18**
